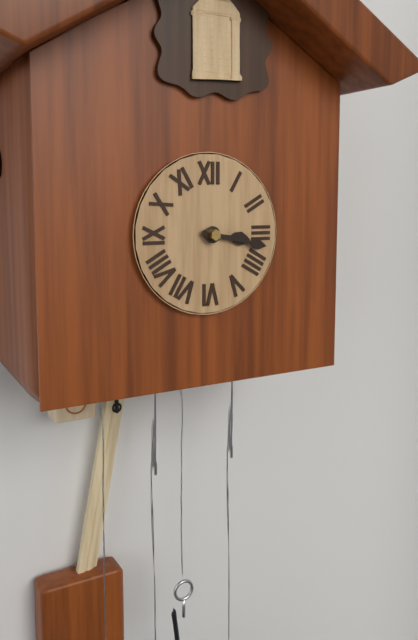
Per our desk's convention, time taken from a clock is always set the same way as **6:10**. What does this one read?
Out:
**3:17**
